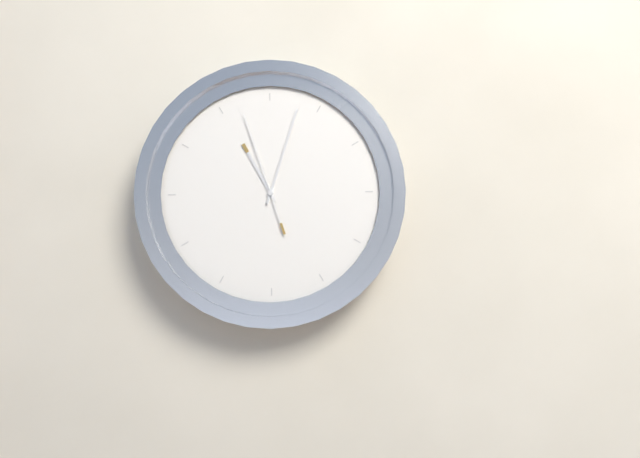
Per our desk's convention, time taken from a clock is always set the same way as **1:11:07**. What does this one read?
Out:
**11:03:57**
